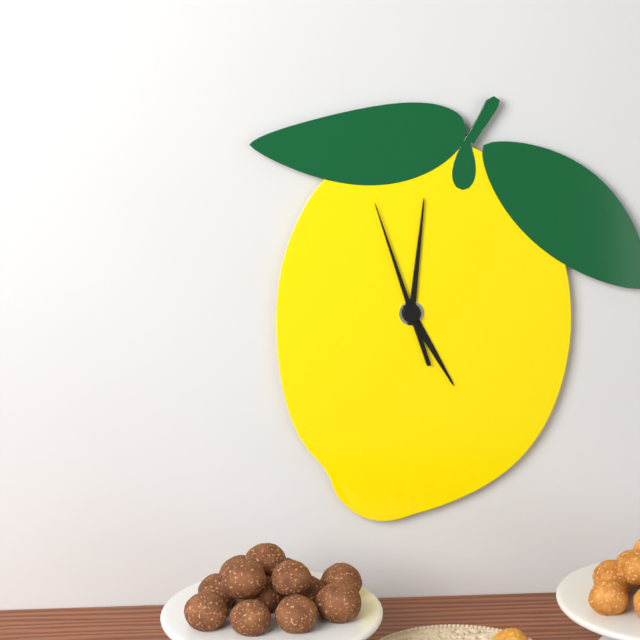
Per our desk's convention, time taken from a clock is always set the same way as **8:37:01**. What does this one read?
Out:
**5:01:57**
